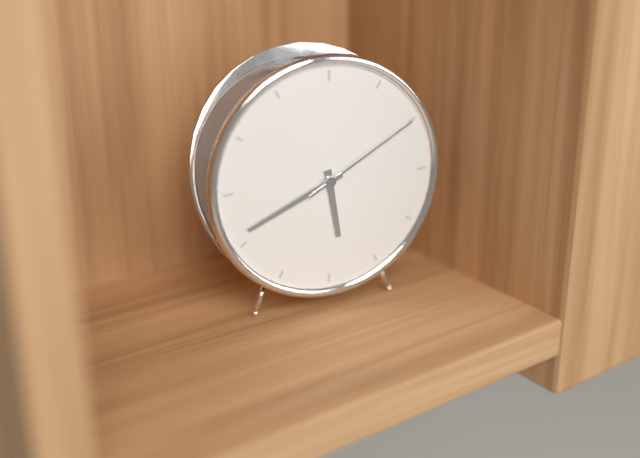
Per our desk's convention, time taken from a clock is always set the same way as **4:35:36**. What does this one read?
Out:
**5:41:10**
